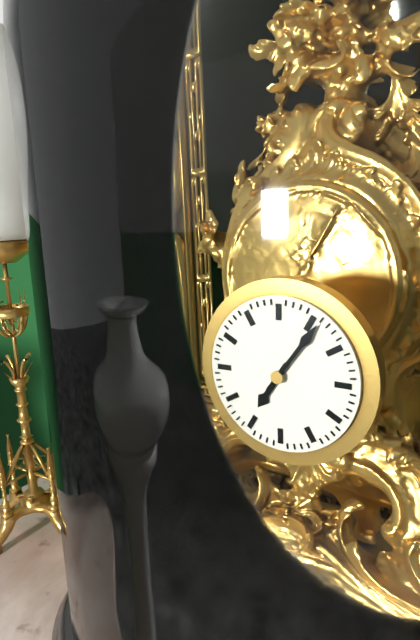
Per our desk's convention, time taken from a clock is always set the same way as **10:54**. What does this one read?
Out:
**7:06**
